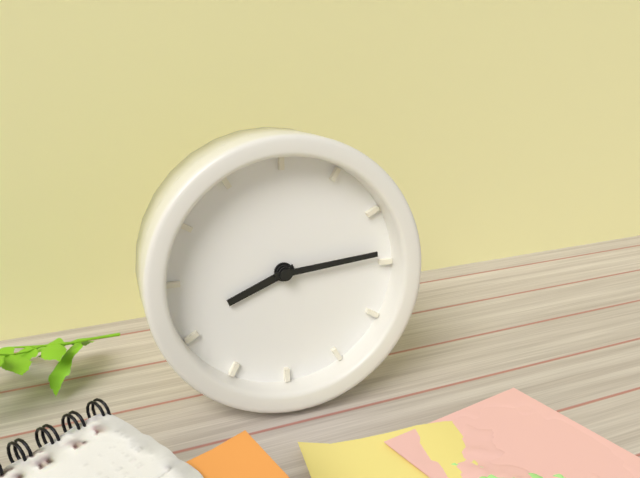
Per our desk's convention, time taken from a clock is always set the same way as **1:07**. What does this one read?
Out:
**8:14**
